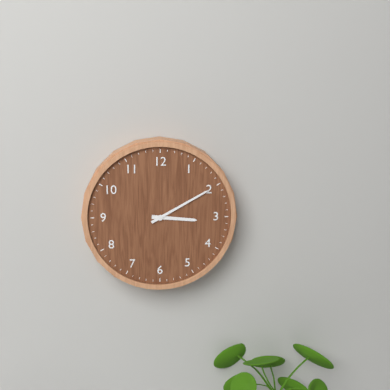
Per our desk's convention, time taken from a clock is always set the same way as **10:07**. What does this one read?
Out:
**3:10**
